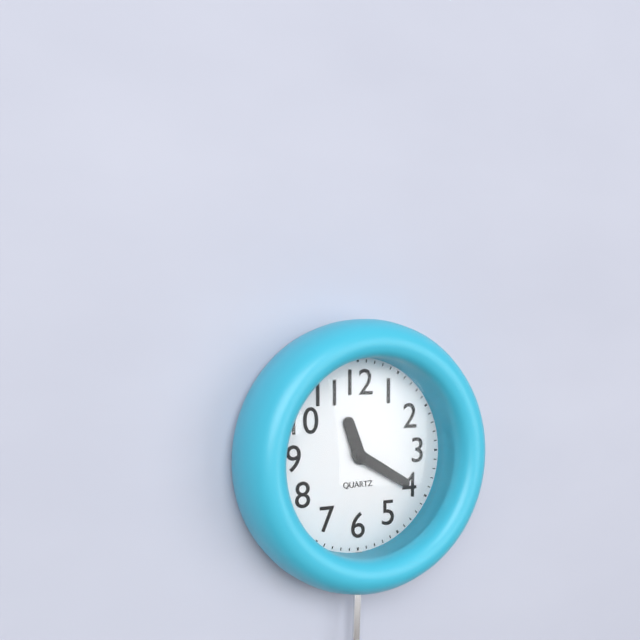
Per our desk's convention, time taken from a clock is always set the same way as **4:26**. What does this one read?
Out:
**11:20**
